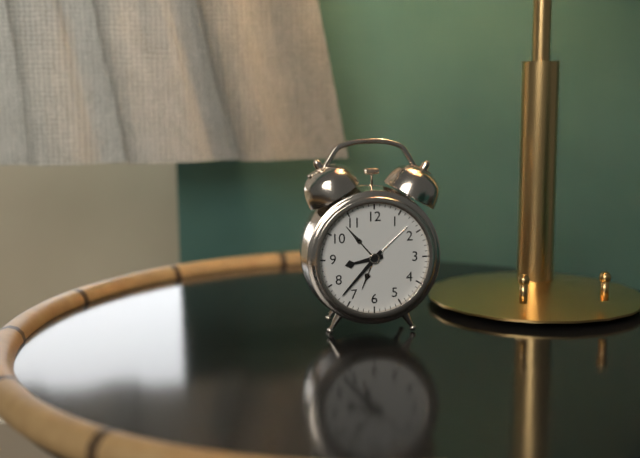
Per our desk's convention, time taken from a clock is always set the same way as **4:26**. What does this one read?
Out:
**8:37**
